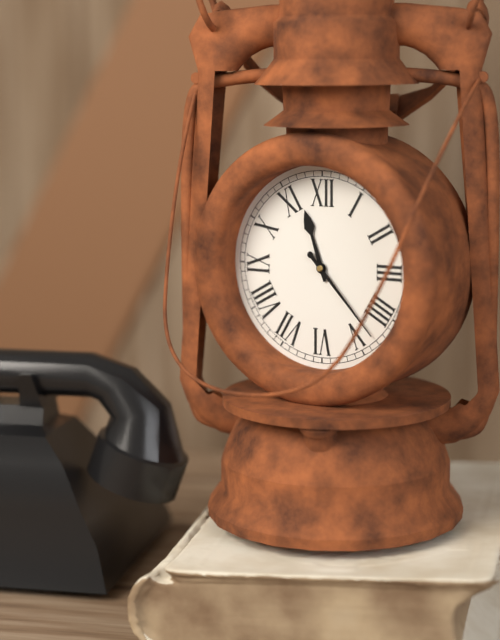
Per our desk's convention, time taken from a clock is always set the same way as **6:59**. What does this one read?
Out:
**11:23**
